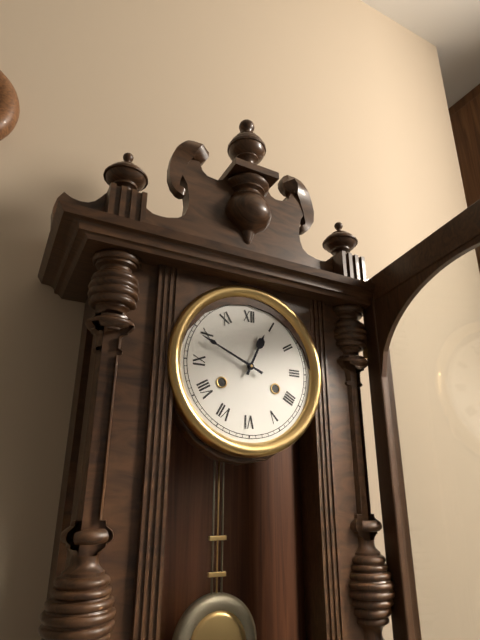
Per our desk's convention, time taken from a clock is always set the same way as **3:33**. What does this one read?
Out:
**12:49**
